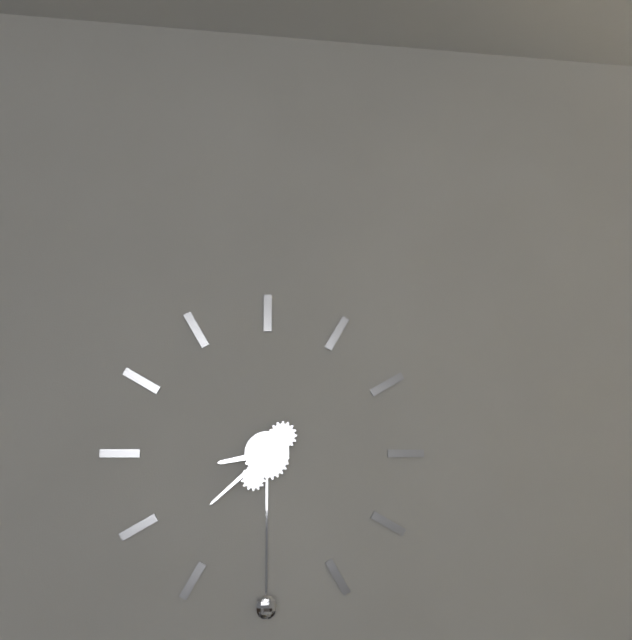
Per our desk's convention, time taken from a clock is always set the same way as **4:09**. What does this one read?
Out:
**8:38**
